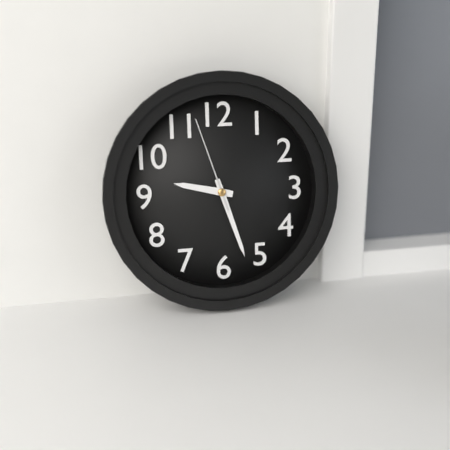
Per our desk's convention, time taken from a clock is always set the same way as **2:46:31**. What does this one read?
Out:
**9:27:57**
